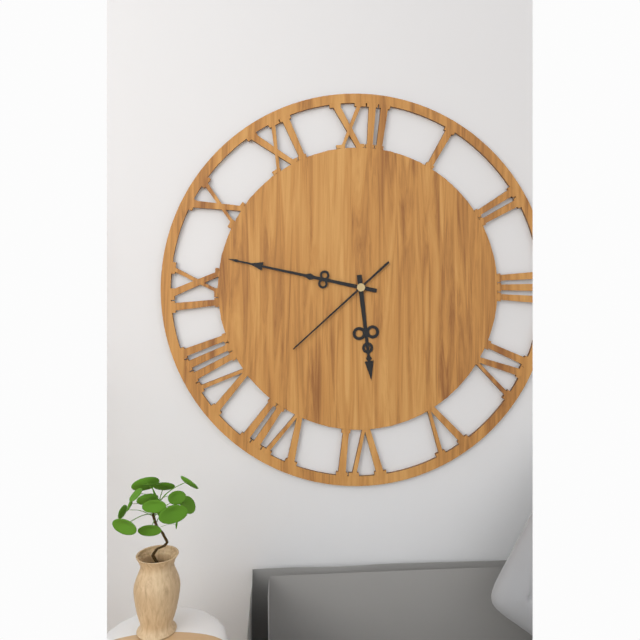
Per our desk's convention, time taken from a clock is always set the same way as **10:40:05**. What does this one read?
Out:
**5:47:38**
